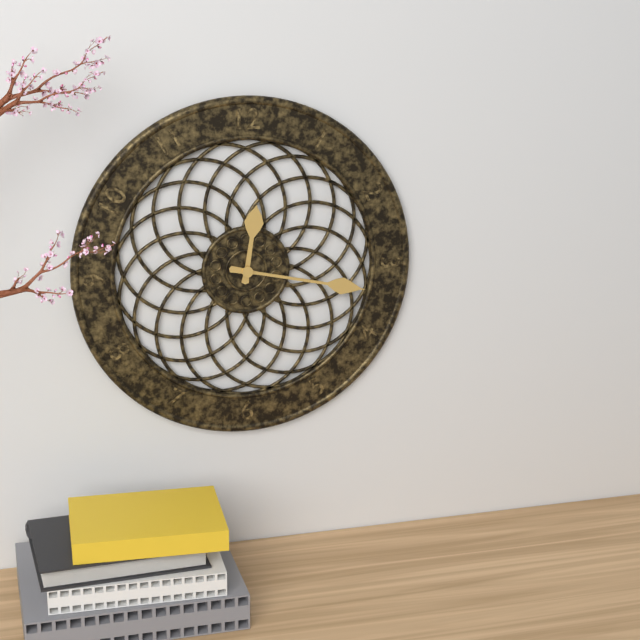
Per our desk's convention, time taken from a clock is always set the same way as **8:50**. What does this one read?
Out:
**12:17**
